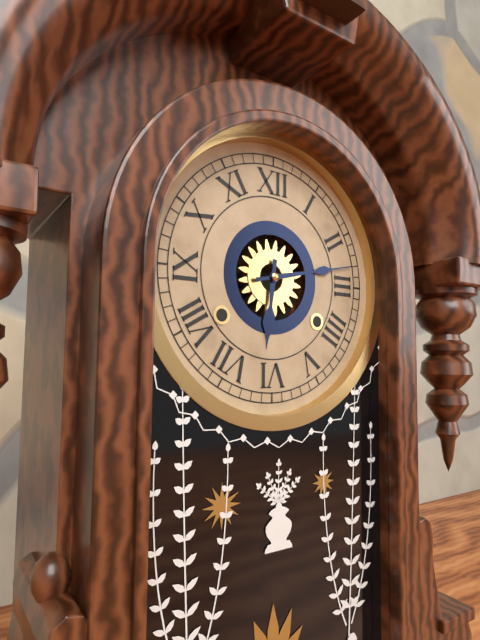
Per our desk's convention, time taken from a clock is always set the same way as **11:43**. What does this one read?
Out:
**6:13**
